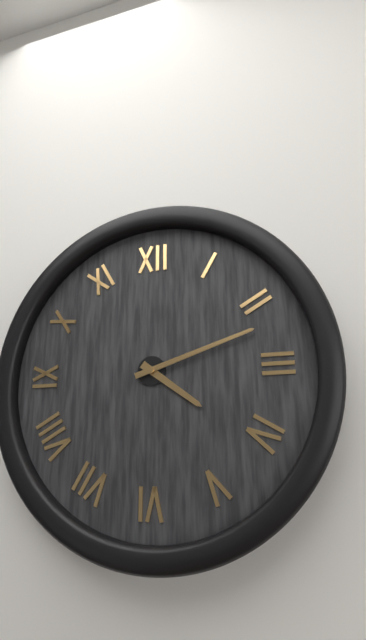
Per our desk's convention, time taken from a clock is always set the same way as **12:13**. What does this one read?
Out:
**4:12**
